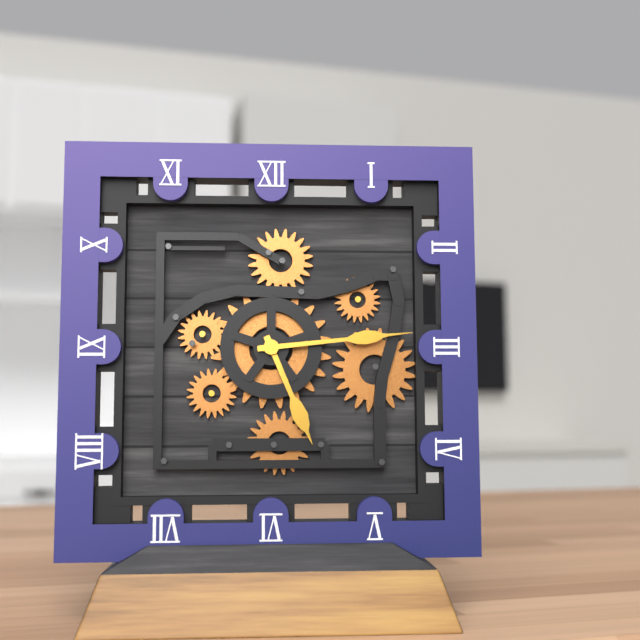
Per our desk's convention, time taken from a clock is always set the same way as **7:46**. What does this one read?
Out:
**5:14**
